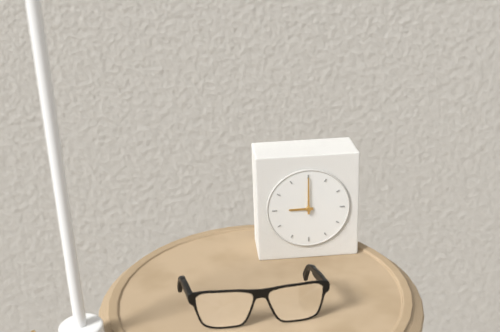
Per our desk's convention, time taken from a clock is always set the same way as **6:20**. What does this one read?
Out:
**9:00**
